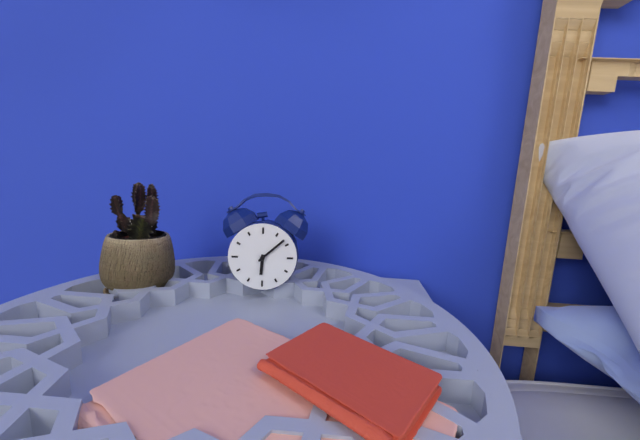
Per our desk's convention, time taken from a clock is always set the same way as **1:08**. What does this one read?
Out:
**6:08**
